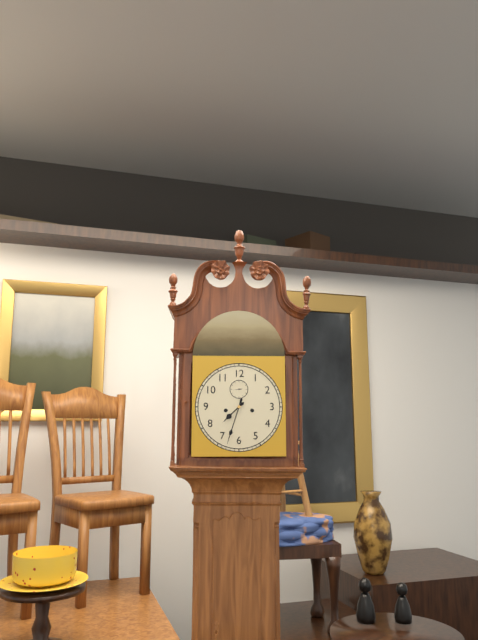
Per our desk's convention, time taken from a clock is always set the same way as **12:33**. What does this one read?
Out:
**7:33**
